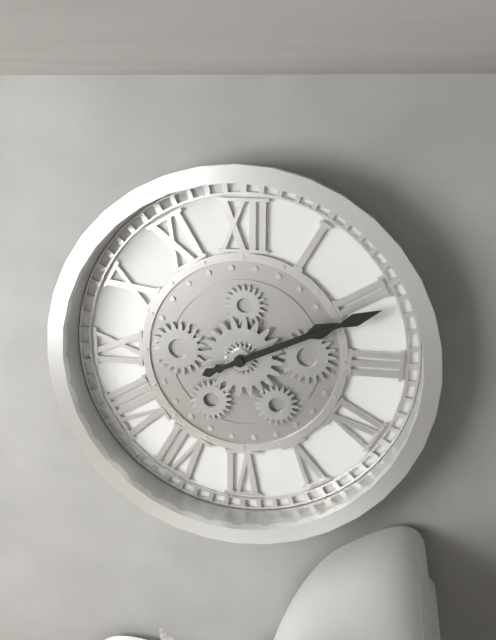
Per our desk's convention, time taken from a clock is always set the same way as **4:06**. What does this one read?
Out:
**2:11**
